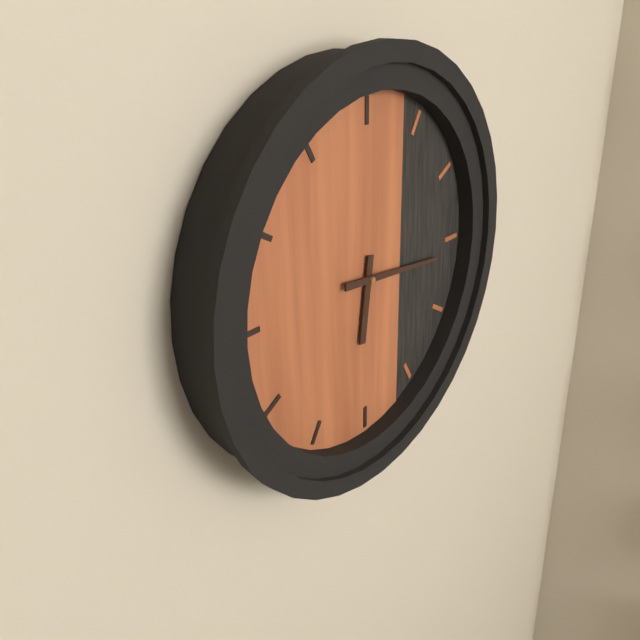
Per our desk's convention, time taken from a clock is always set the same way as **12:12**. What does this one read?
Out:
**6:16**
